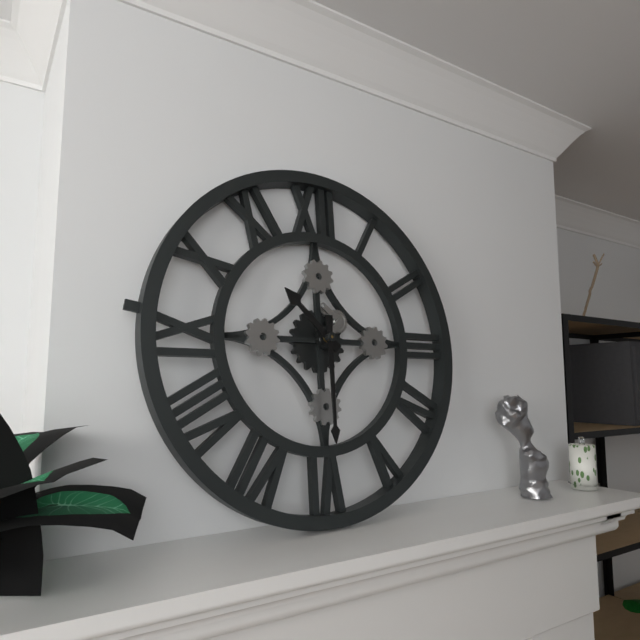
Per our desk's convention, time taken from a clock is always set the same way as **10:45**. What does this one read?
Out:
**10:30**
